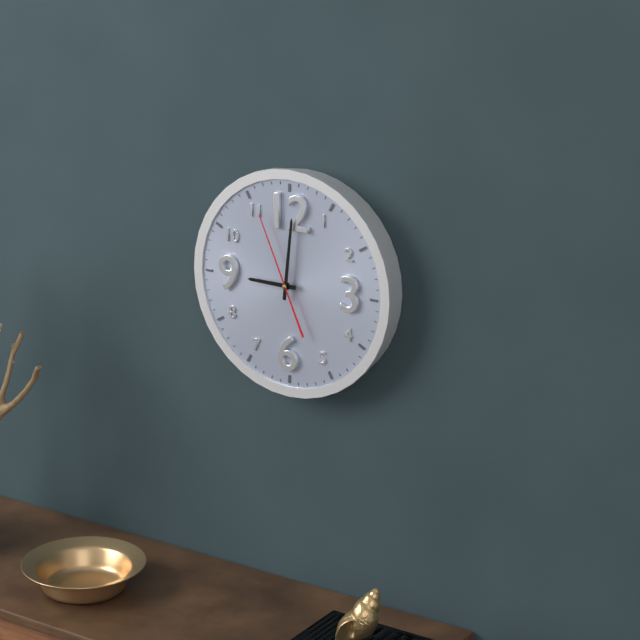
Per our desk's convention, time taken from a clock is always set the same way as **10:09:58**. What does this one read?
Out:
**9:01:56**
